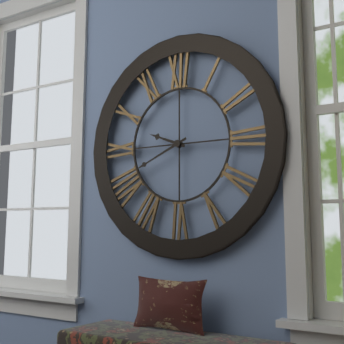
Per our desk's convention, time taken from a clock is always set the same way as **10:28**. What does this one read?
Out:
**9:41**
